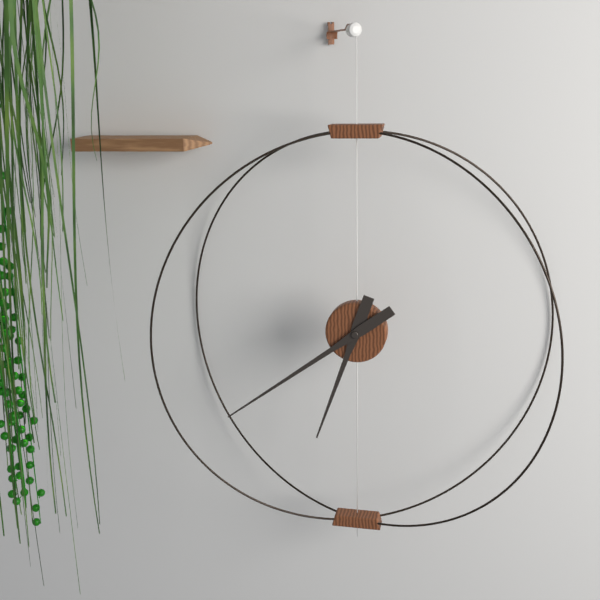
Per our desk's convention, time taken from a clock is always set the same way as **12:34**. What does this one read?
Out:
**6:39**
